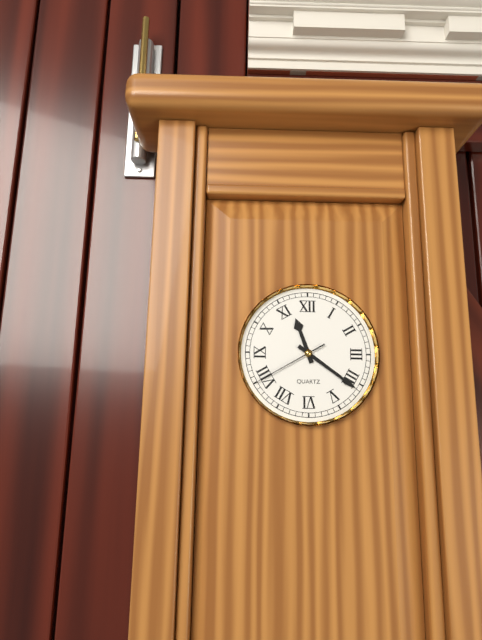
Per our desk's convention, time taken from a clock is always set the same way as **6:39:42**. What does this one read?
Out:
**11:21:40**
